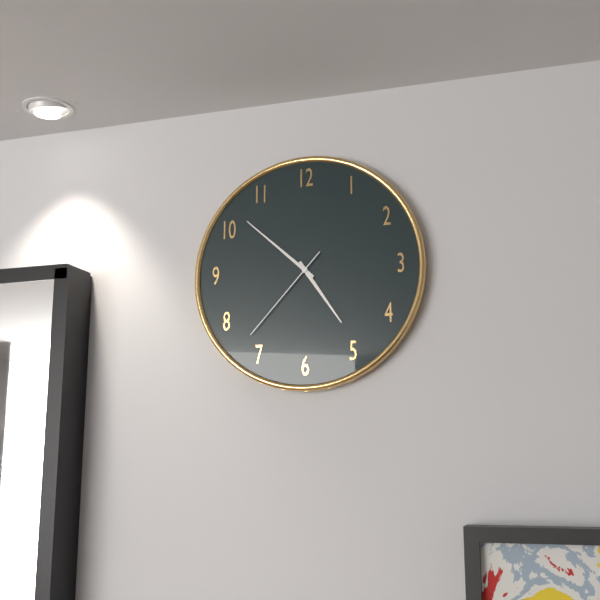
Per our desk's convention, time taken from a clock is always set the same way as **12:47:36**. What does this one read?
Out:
**4:52:37**
